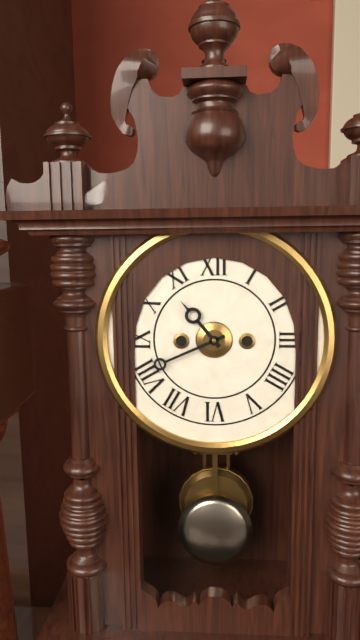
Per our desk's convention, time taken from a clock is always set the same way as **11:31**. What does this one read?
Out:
**10:41**
